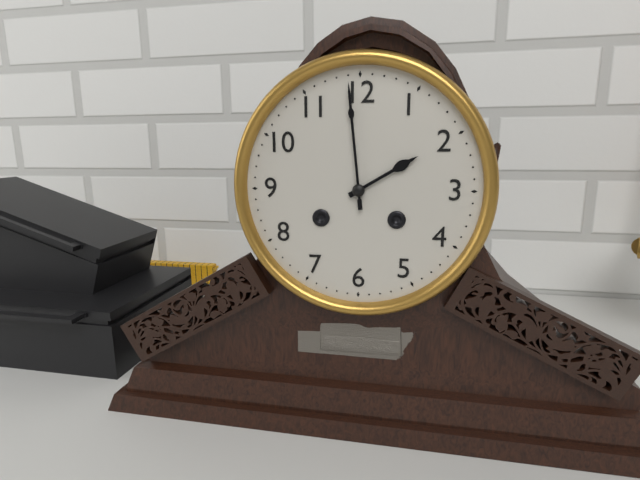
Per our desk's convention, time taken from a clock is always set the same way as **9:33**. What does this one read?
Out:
**1:59**
